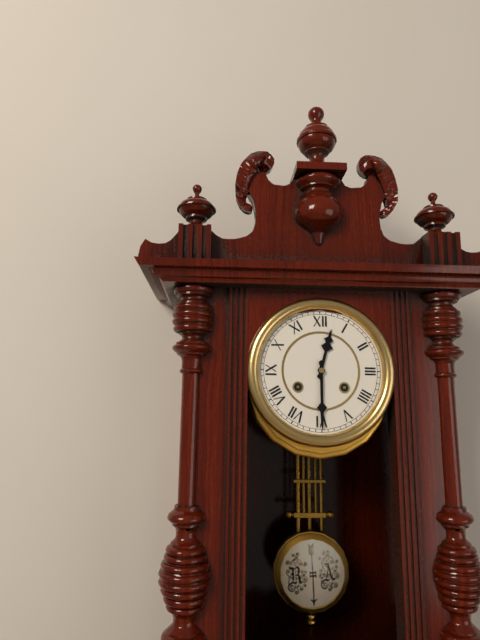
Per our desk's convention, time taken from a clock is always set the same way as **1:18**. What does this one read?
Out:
**12:30**
